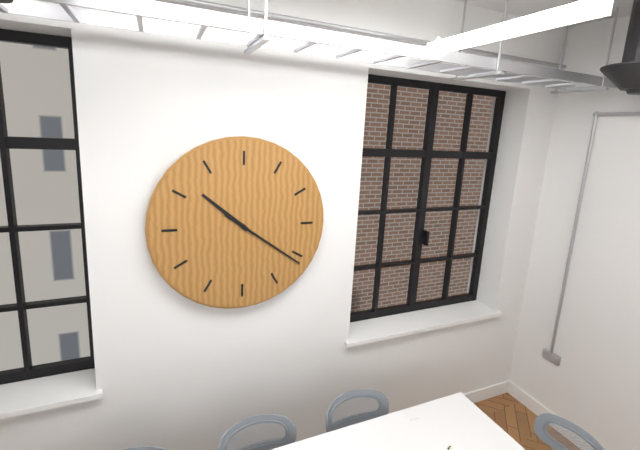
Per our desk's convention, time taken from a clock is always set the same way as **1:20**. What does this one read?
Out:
**10:21**
